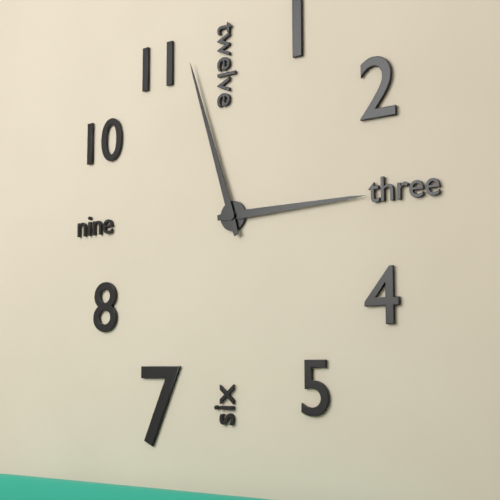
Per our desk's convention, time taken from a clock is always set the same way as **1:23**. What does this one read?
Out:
**2:57**
